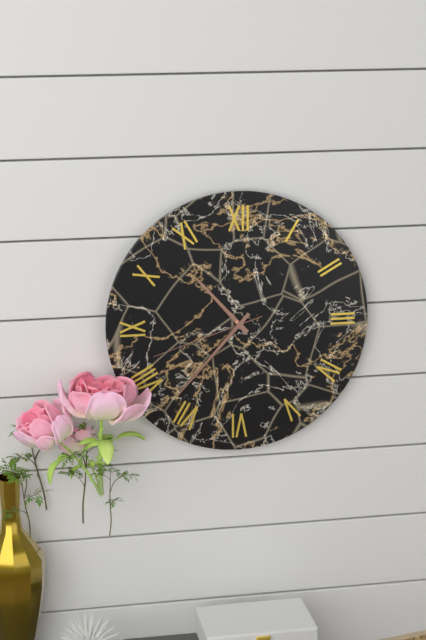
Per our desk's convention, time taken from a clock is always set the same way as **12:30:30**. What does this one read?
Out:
**10:37:42**
